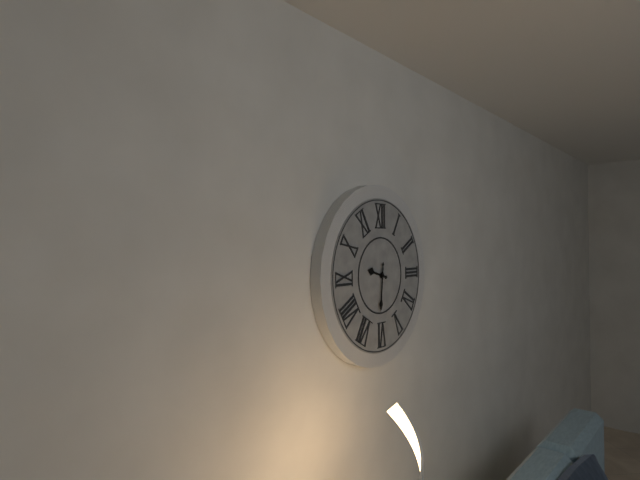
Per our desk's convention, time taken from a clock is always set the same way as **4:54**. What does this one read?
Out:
**9:31**
